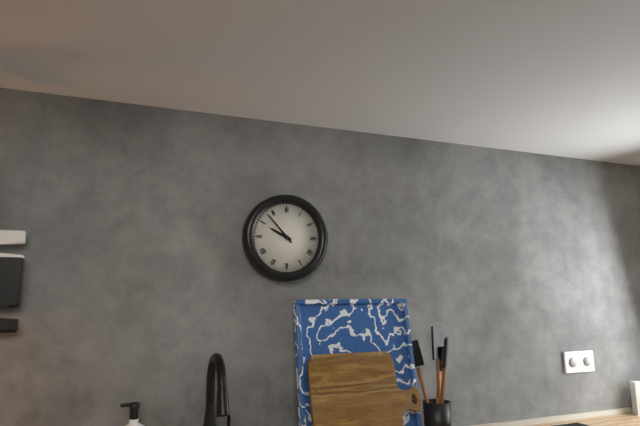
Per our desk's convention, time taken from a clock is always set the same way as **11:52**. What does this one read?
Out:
**9:53**
